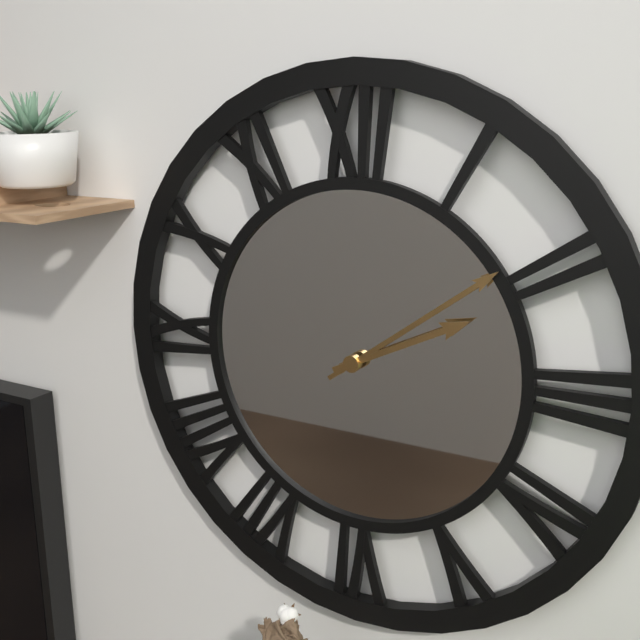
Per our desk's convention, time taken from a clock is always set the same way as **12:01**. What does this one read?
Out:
**2:09**
